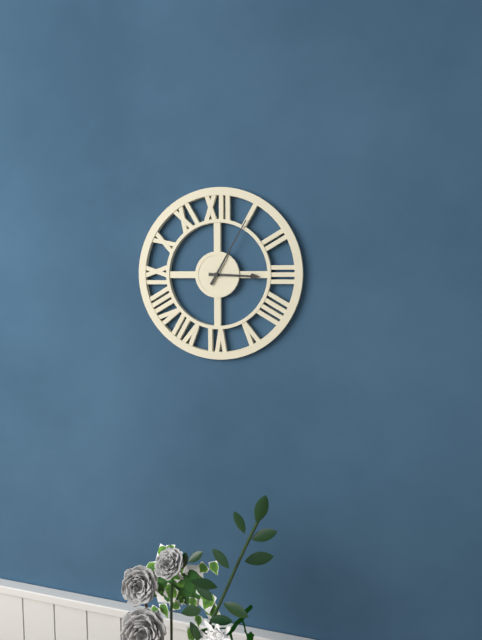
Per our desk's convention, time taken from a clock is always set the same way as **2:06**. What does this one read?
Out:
**3:05**
